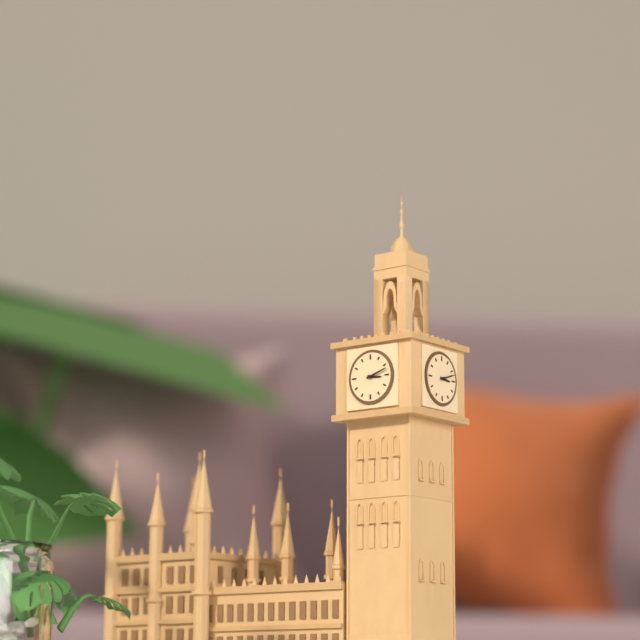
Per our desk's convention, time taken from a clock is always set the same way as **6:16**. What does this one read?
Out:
**3:12**
